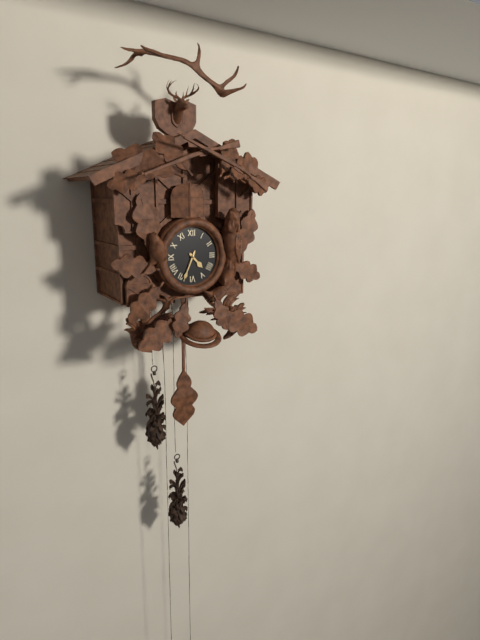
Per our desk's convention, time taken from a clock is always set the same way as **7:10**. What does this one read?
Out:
**4:34**
